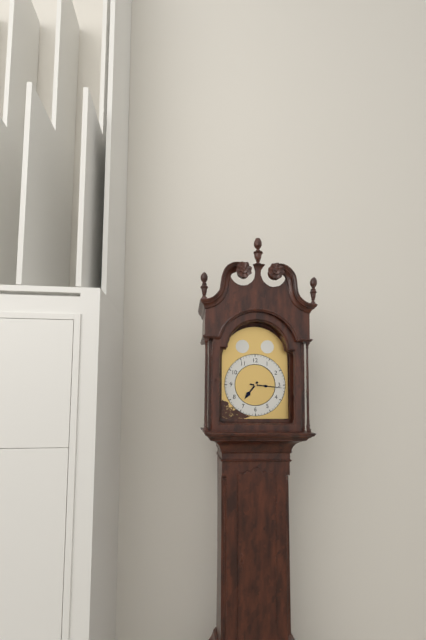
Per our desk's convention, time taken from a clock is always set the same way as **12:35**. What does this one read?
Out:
**7:16**
